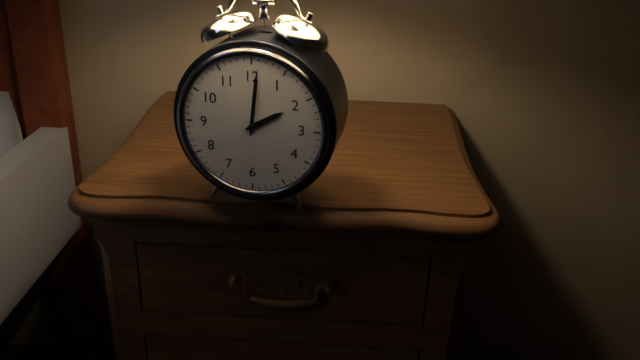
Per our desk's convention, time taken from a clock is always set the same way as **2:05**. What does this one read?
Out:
**2:01**
